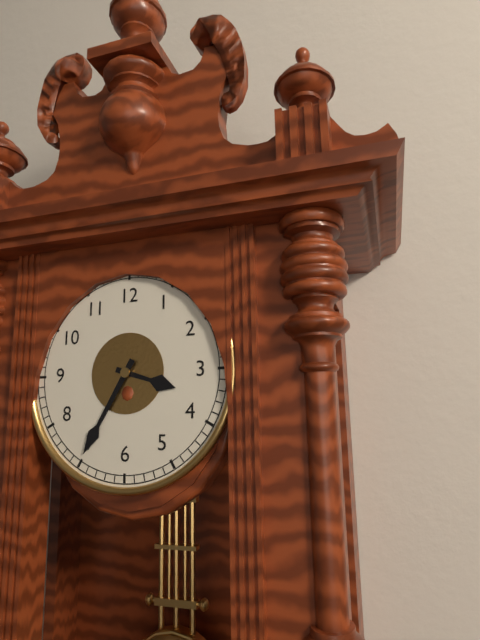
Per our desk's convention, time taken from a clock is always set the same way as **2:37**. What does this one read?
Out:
**3:35**
